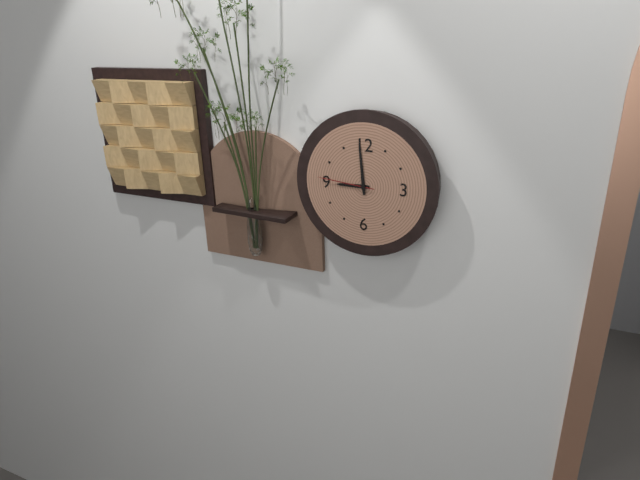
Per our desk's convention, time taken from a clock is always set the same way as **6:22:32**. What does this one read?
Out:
**8:59:46**
